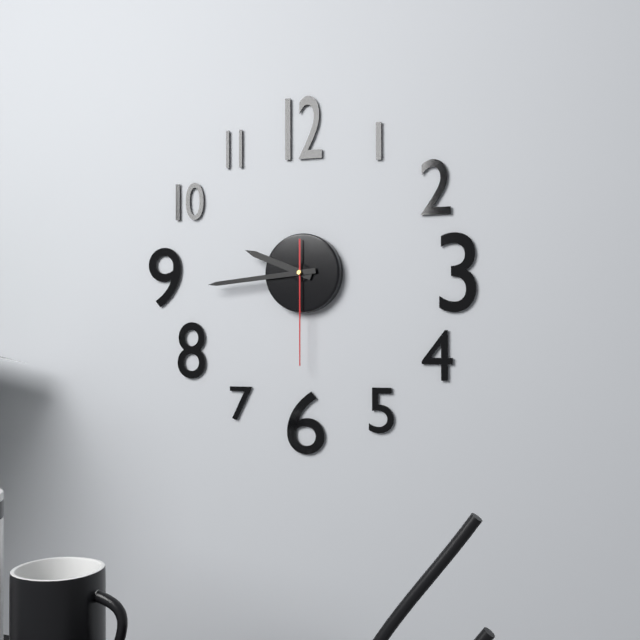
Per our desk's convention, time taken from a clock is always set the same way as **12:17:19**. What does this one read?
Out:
**9:44:30**
